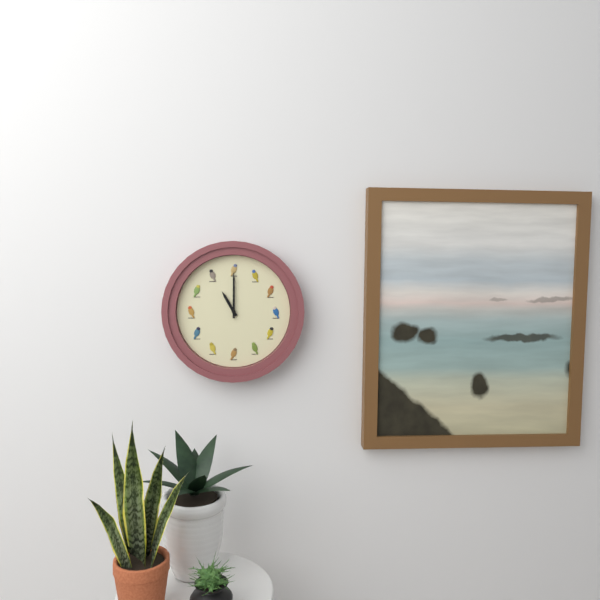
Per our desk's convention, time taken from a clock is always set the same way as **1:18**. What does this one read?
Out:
**11:00**
